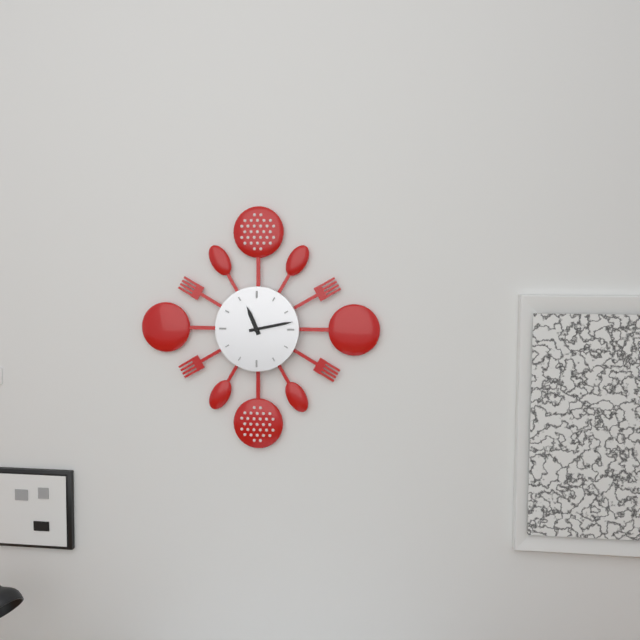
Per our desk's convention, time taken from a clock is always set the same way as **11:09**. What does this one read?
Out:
**11:13**
